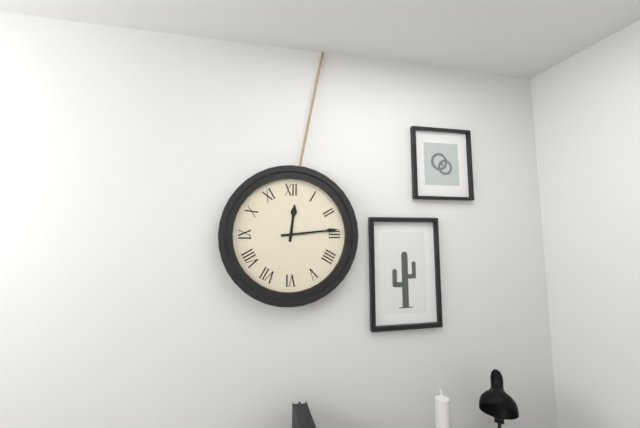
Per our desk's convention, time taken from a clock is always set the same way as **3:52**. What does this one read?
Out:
**12:14**
